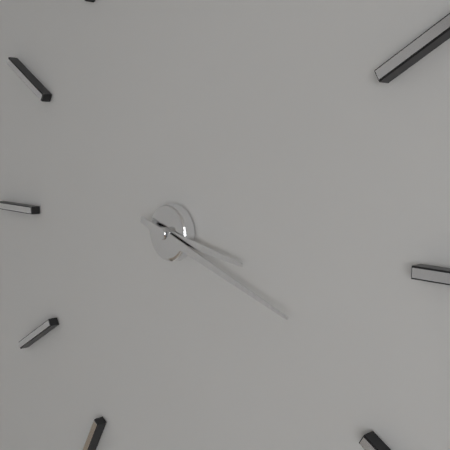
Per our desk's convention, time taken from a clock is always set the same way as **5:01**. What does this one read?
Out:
**3:18**
